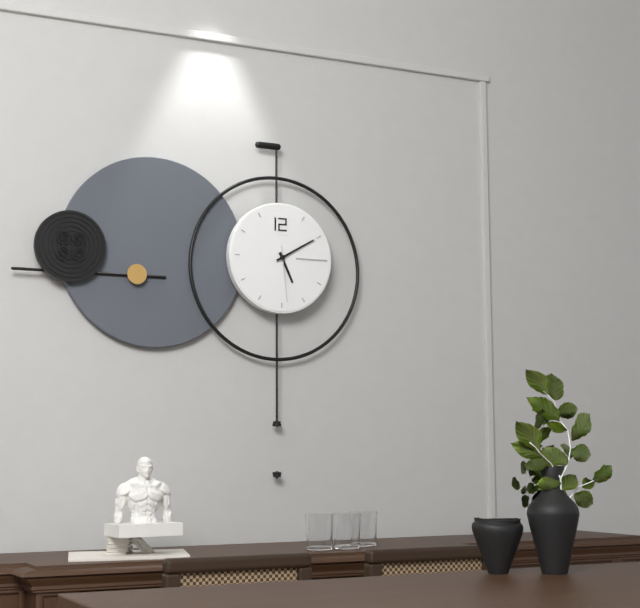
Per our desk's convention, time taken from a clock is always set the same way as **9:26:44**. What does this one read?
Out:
**5:10:29**
